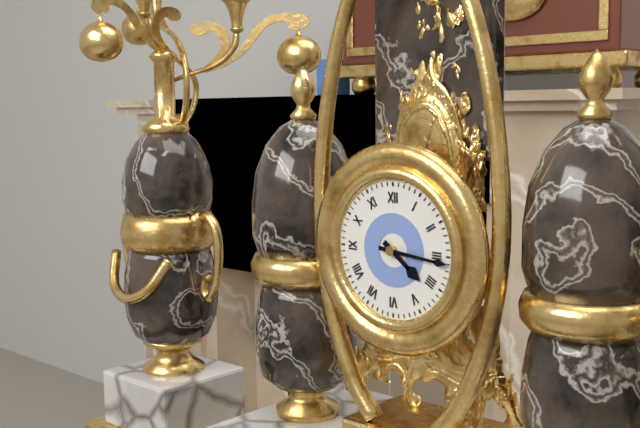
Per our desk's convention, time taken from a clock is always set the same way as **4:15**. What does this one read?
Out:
**4:16**
